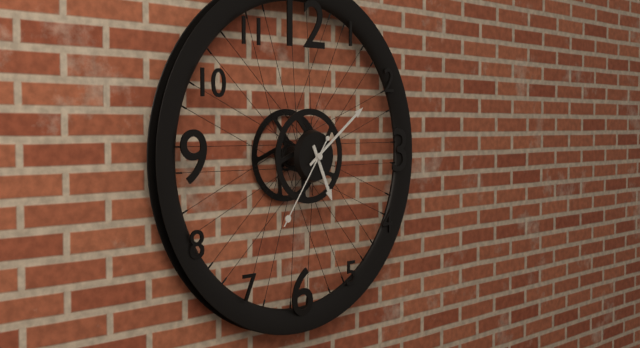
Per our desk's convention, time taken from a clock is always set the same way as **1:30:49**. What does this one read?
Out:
**5:09:36**
